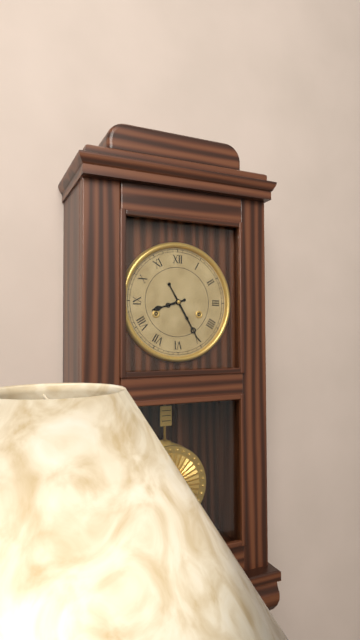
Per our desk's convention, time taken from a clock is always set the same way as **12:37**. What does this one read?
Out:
**8:25**
